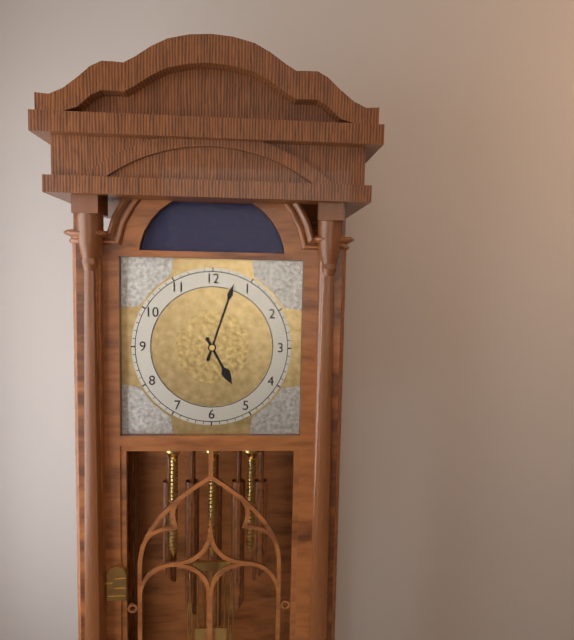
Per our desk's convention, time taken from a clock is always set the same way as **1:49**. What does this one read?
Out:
**5:03**
